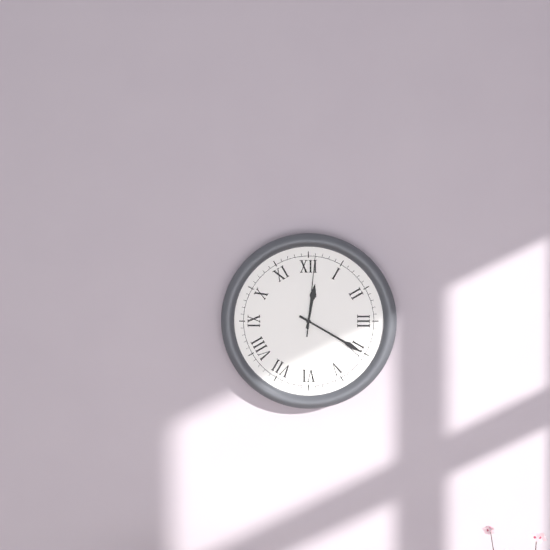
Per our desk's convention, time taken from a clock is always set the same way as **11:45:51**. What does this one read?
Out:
**12:20:01**
